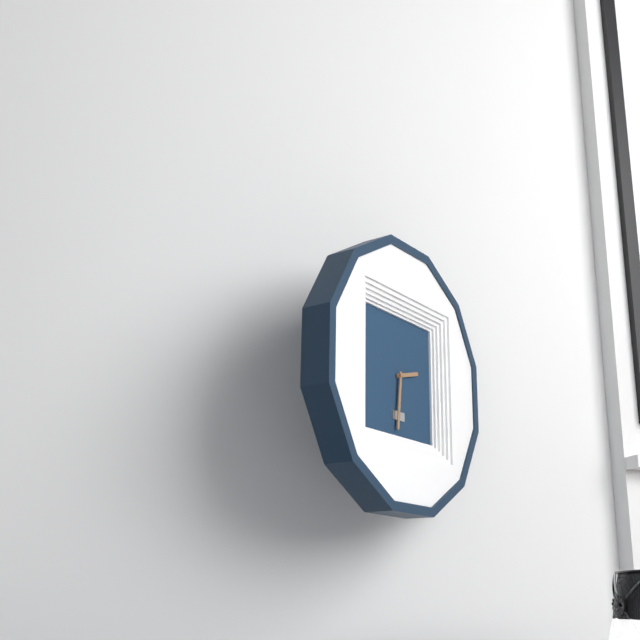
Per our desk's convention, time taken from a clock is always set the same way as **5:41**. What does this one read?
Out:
**2:31**
